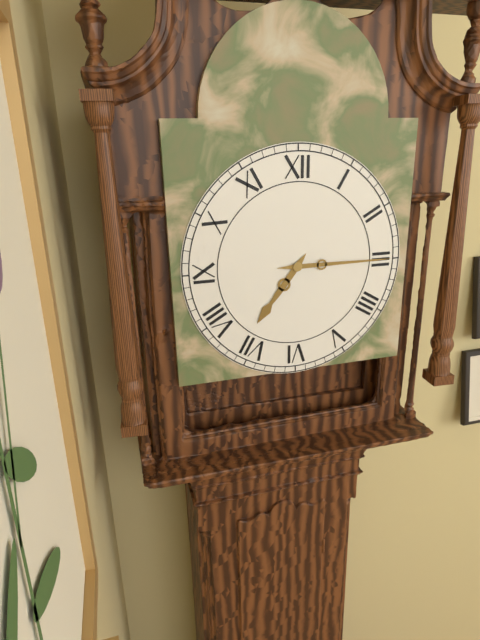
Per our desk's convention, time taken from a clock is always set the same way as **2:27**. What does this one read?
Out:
**7:15**
